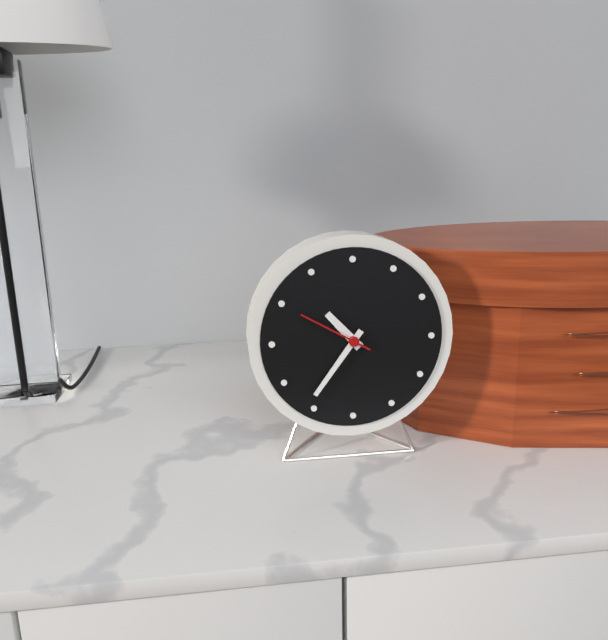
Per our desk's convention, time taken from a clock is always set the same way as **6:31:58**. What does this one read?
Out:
**10:36:50**
